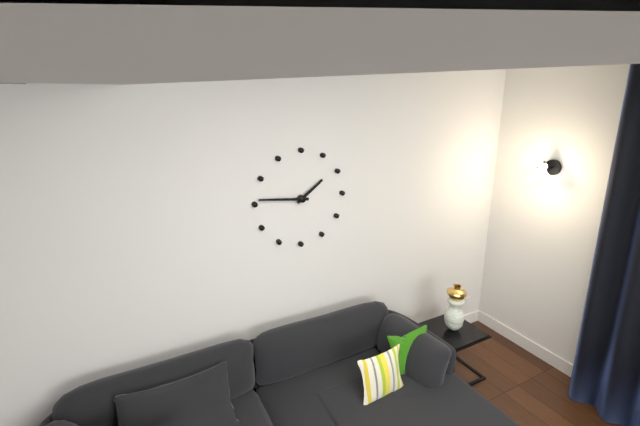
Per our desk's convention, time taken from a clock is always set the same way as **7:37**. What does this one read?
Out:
**1:46**
